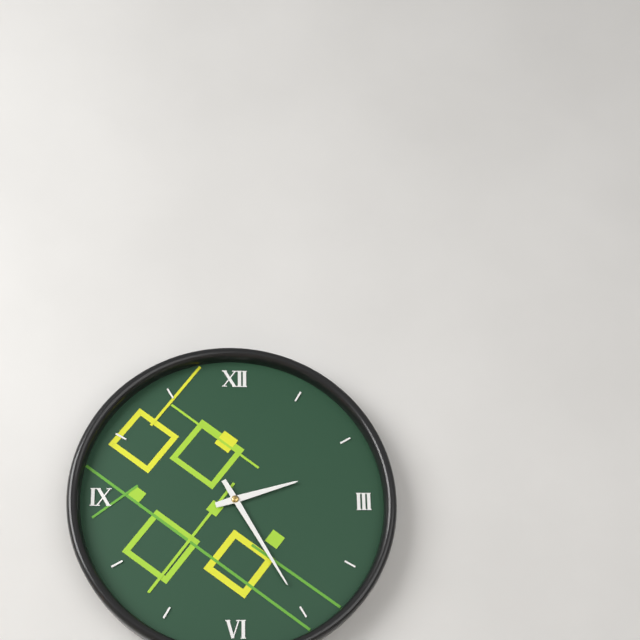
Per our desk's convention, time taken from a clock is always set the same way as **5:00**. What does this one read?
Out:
**2:25**
